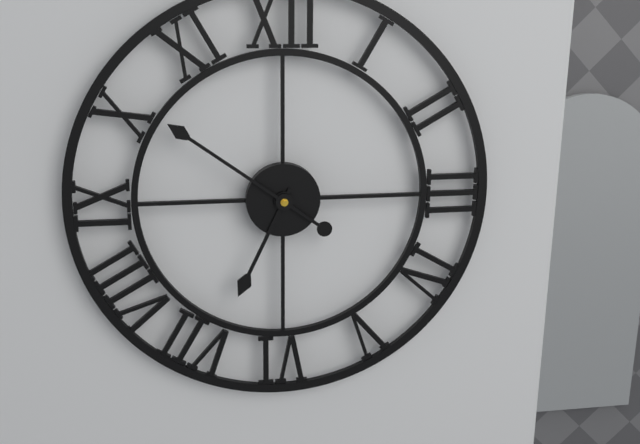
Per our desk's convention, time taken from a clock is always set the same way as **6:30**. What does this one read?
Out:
**6:51**
